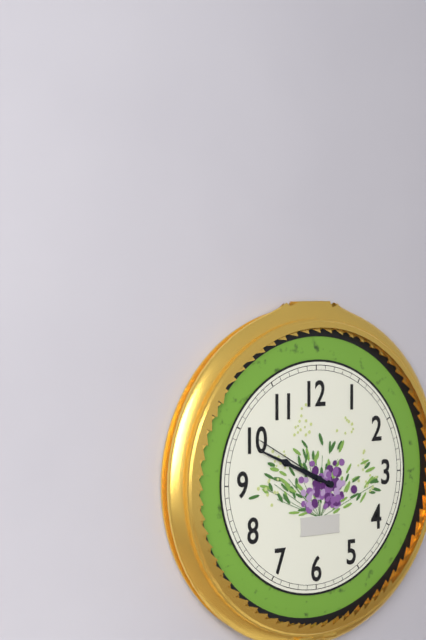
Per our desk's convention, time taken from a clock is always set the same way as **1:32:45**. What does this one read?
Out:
**9:49:50**
